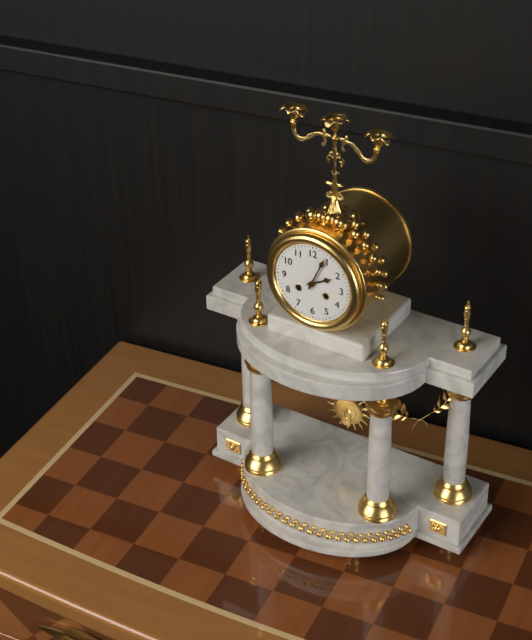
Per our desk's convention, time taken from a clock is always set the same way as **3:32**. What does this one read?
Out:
**2:04**
